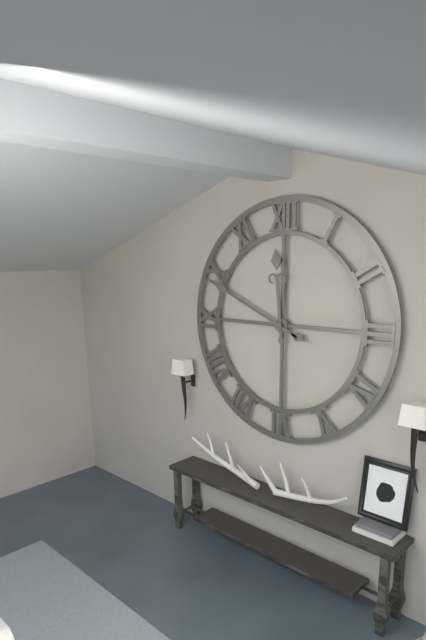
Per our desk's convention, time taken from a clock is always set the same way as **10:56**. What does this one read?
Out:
**11:49**
